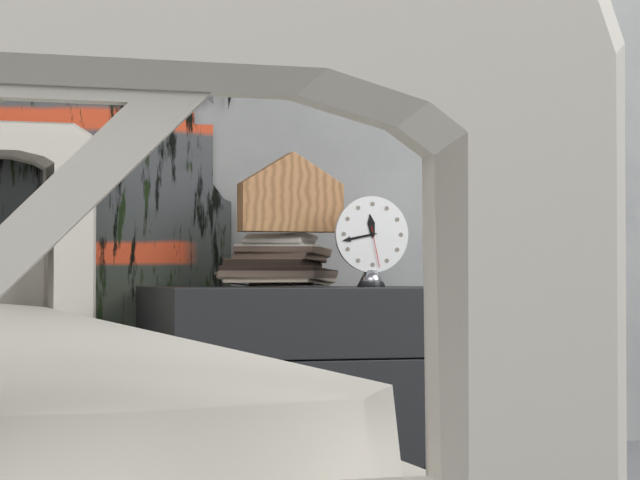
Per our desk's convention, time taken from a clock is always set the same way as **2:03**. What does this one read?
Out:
**11:43**
